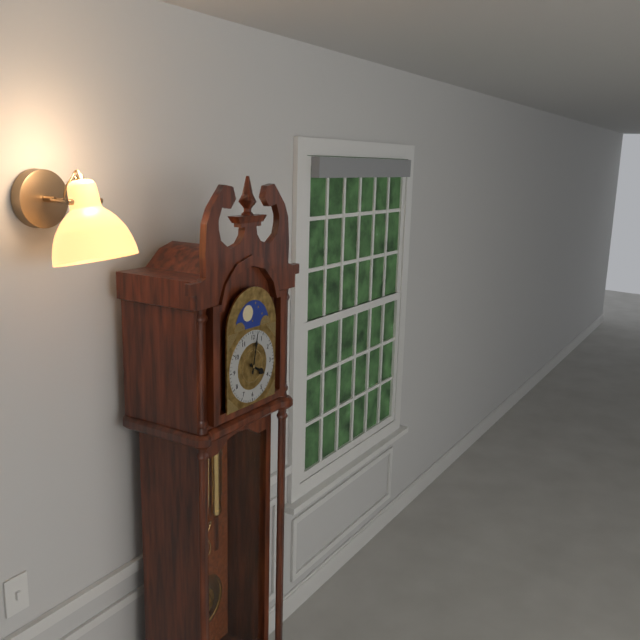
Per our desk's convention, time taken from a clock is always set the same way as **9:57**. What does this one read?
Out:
**4:02**
